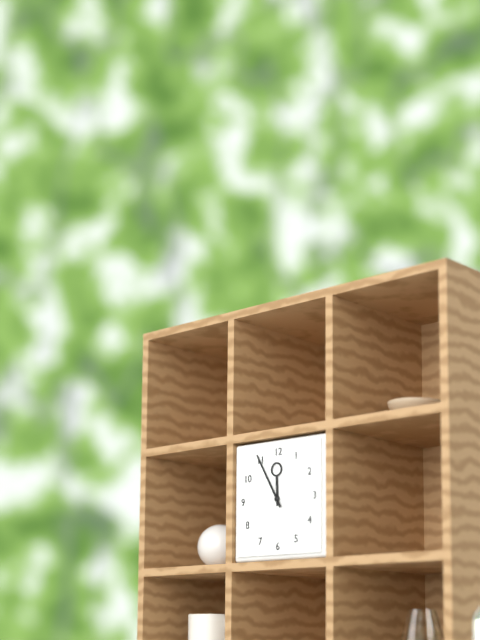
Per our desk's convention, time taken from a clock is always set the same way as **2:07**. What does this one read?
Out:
**11:55**
